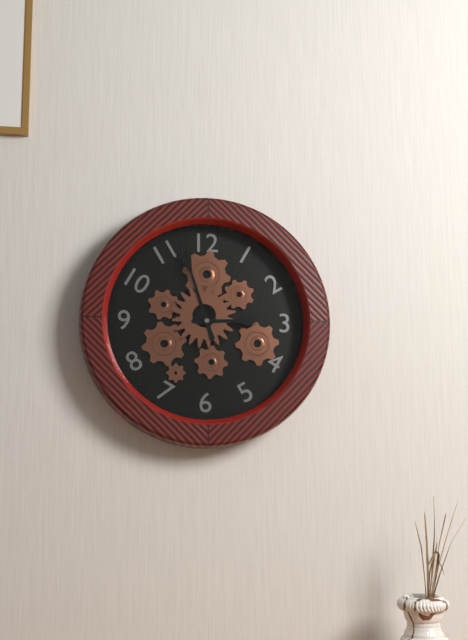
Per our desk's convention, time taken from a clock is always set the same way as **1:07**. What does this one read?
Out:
**2:57**
